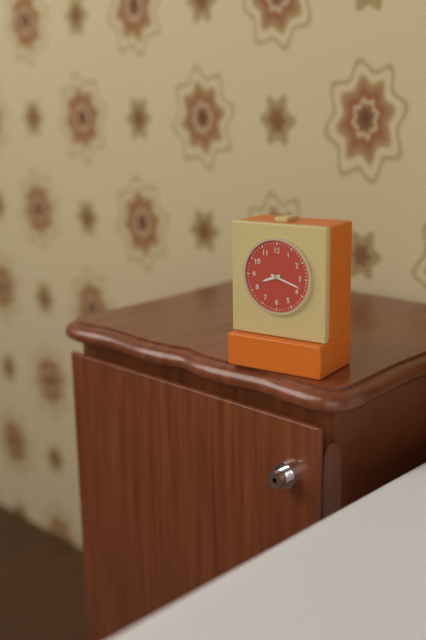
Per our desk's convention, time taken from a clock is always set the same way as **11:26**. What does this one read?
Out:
**8:18**
